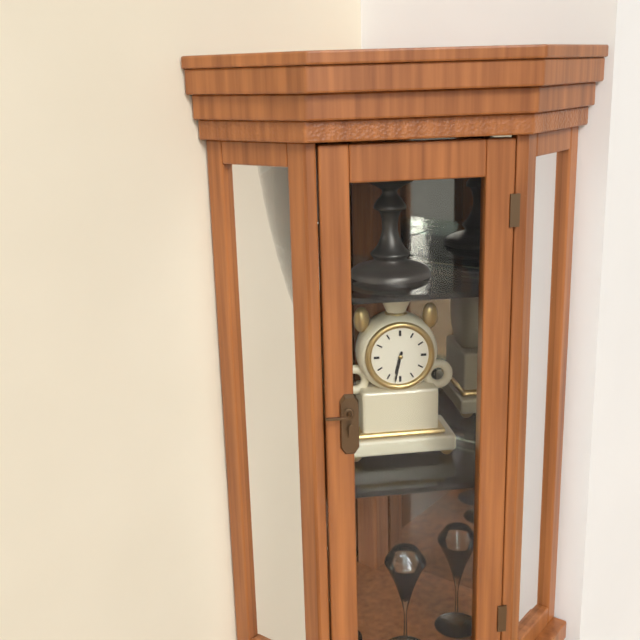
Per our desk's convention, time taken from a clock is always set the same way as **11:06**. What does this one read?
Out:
**6:32**
